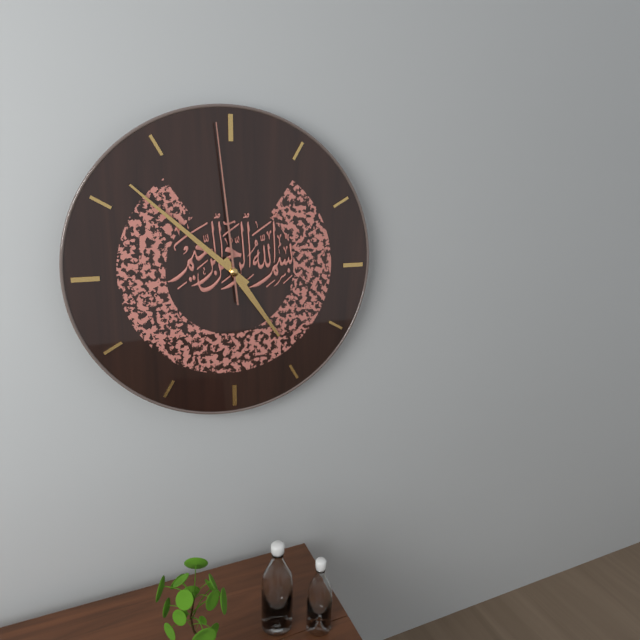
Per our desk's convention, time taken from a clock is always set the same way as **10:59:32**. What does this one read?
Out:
**4:52:59**
